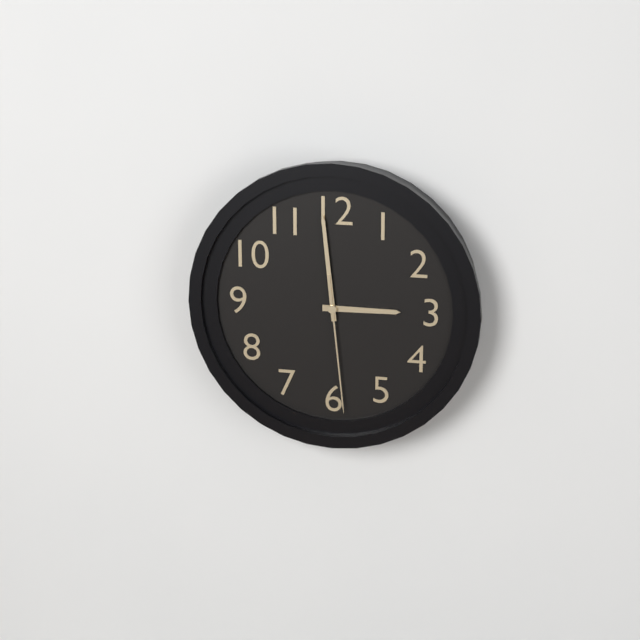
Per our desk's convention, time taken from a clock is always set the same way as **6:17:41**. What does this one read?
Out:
**2:59:29**
